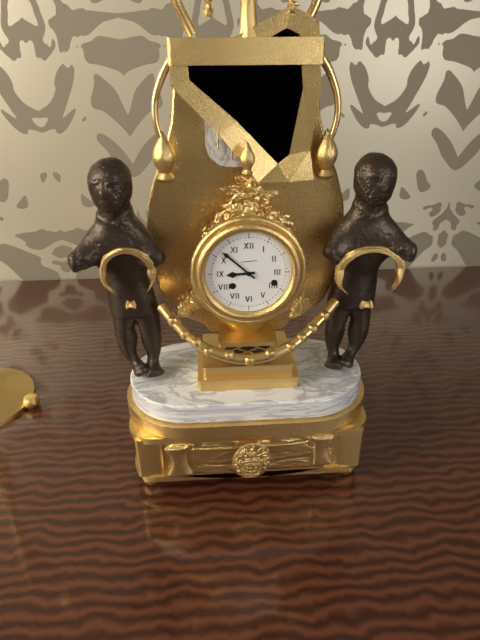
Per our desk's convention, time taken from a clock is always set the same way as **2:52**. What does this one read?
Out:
**8:52**
